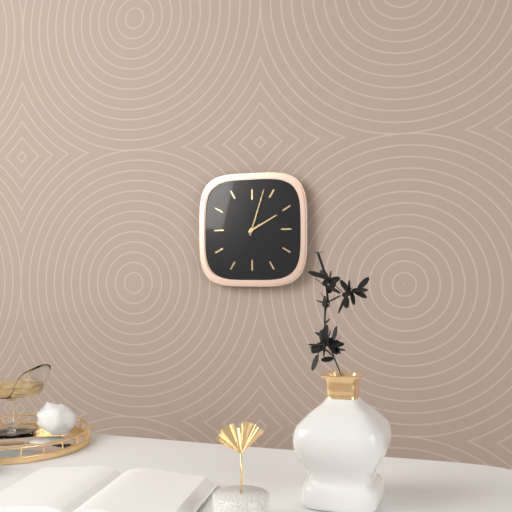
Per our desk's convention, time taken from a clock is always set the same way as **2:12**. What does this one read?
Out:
**2:03**
